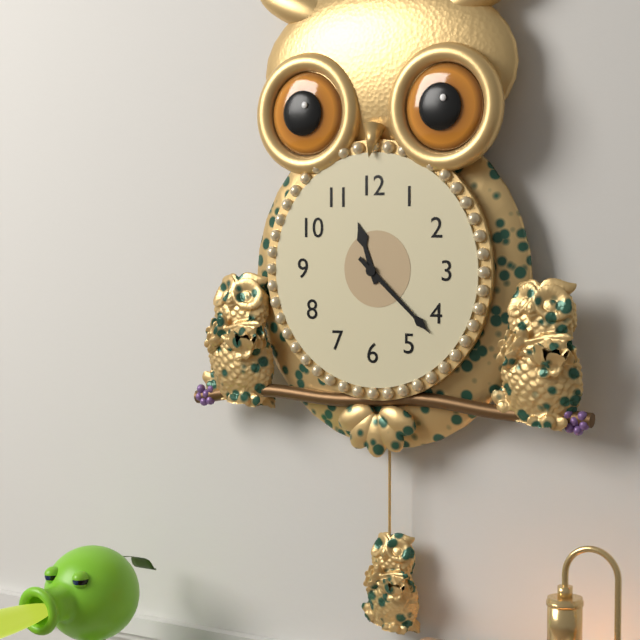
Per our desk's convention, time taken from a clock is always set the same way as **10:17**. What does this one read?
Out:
**11:22**
